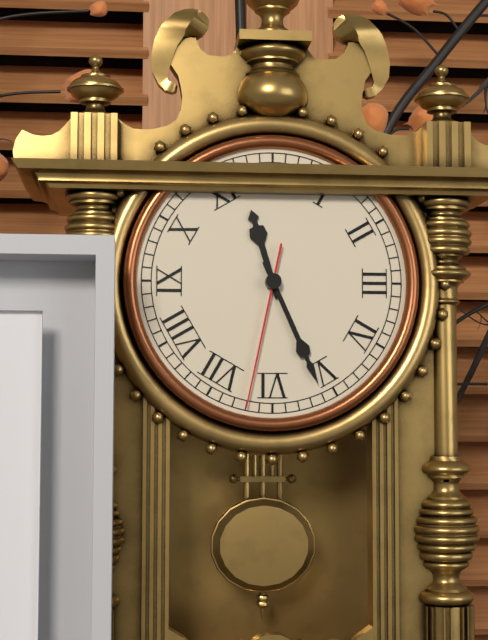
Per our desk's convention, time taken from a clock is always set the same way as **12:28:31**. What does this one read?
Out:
**11:26:32**
